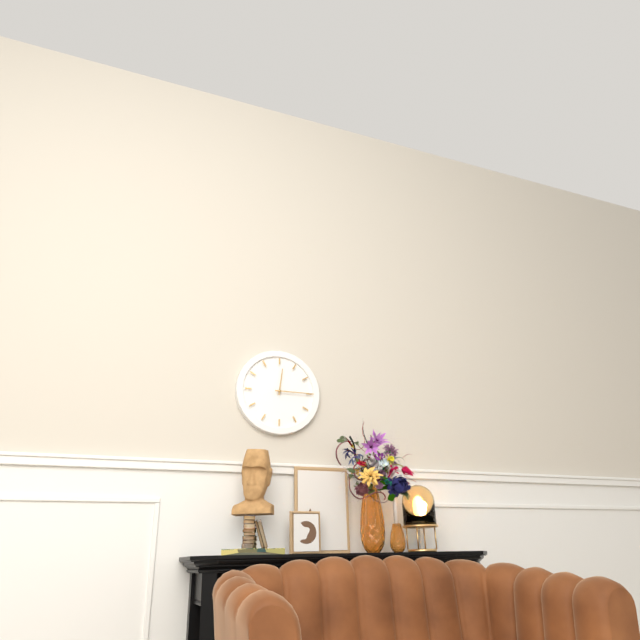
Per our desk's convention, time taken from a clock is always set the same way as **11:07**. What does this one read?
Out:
**12:15**
